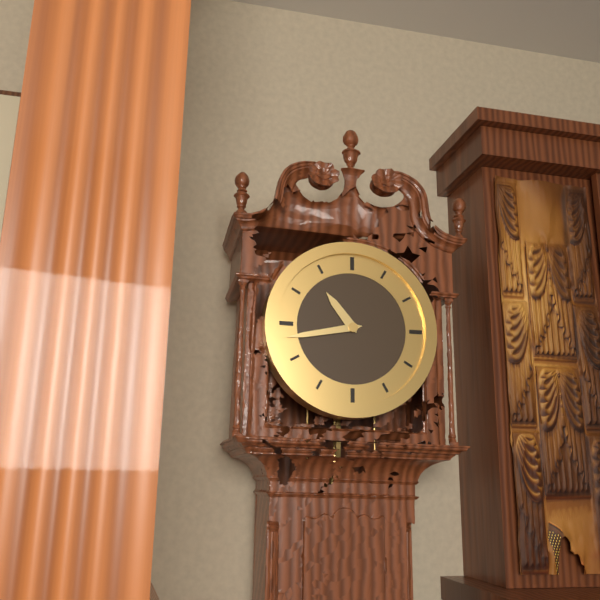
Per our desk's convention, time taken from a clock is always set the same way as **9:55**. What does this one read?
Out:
**10:43**
